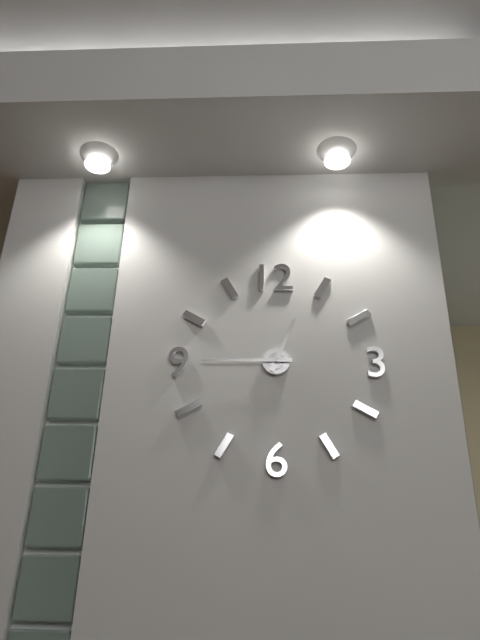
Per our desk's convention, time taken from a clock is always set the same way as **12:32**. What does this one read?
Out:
**12:45**
